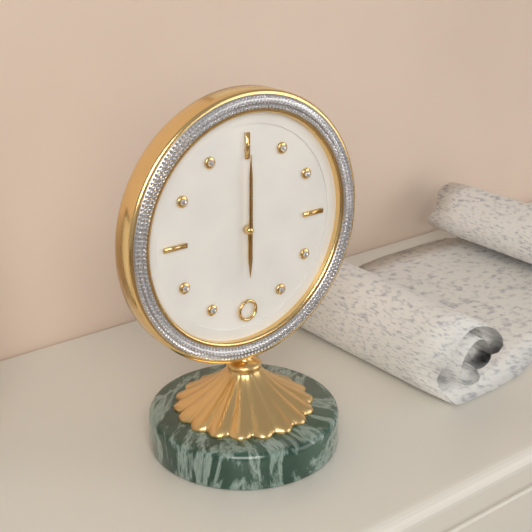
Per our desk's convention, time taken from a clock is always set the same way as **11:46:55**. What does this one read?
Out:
**6:00:00**
